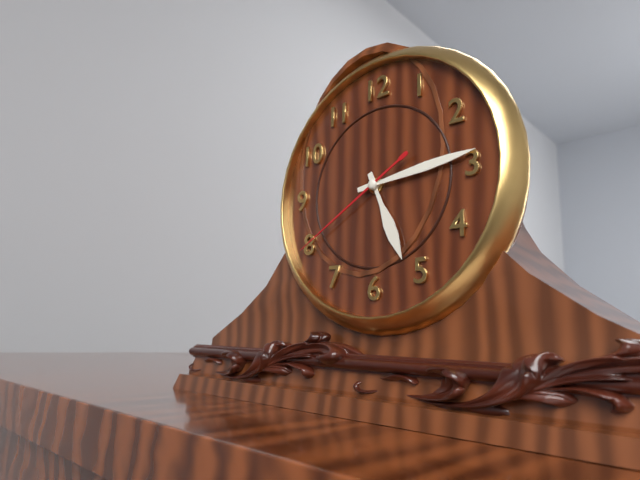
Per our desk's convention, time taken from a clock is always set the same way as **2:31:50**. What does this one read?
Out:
**5:14:40**
